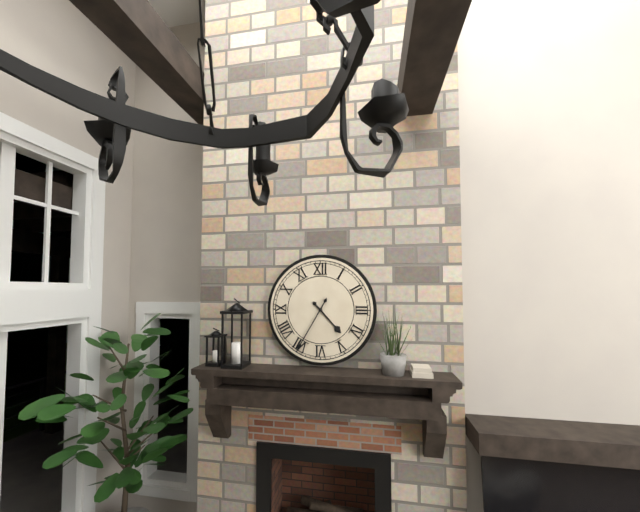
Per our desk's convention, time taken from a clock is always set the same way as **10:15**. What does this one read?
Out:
**4:35**
